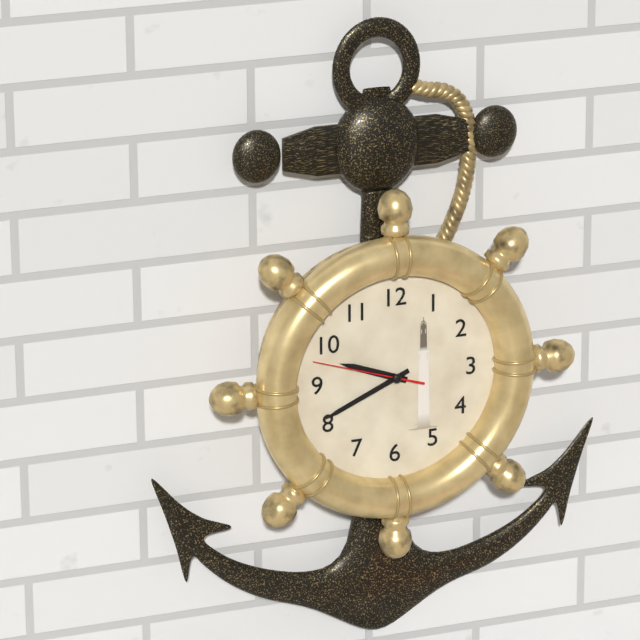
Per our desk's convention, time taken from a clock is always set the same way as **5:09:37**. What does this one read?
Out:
**9:41:48**
